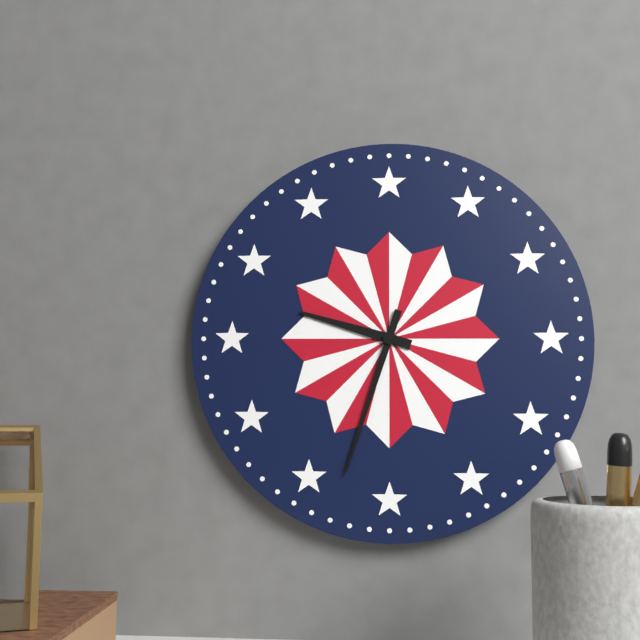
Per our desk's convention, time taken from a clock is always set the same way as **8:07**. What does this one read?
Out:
**9:33**
